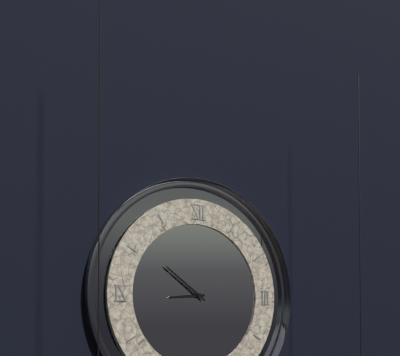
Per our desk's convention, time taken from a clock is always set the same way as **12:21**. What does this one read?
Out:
**8:51**
